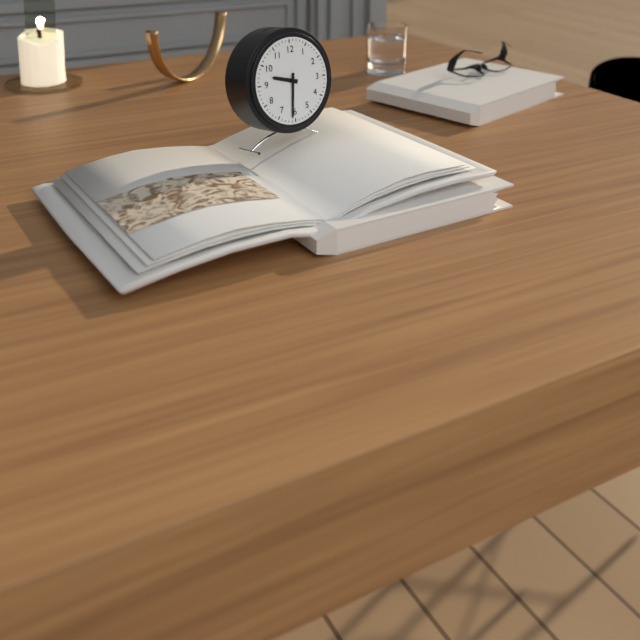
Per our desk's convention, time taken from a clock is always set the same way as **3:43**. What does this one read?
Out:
**9:31**
